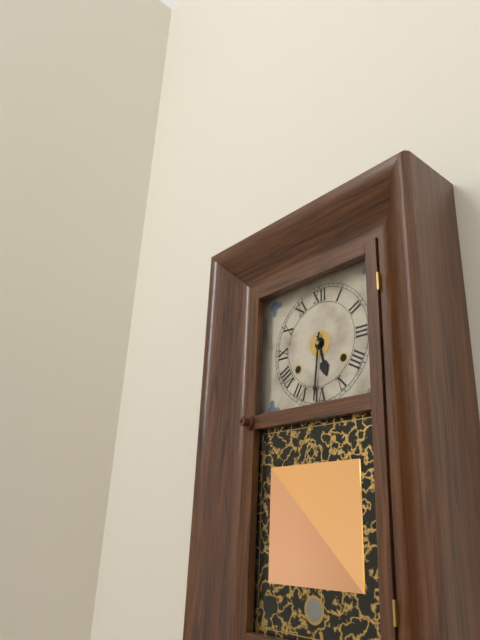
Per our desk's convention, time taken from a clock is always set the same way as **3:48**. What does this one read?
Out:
**5:31**
